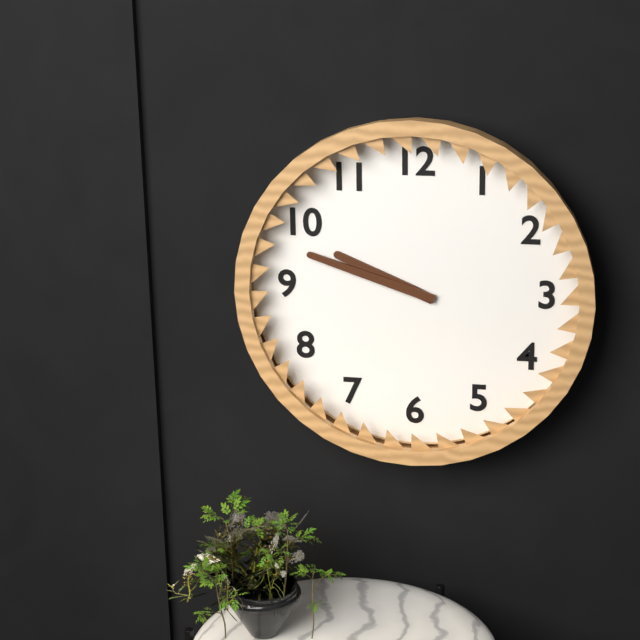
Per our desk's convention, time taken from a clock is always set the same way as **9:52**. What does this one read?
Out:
**9:48**
